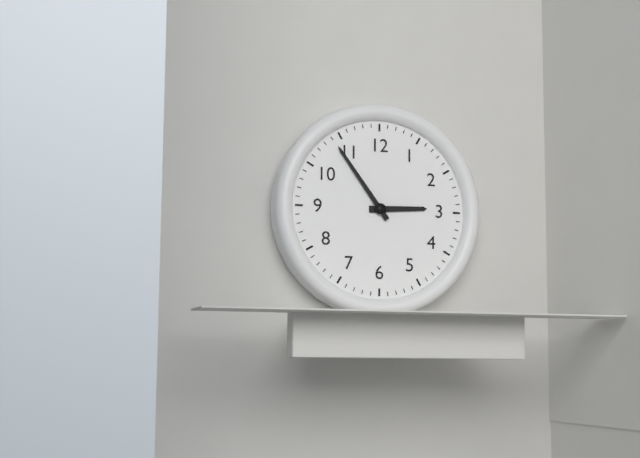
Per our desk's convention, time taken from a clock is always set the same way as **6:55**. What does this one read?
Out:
**2:54**
